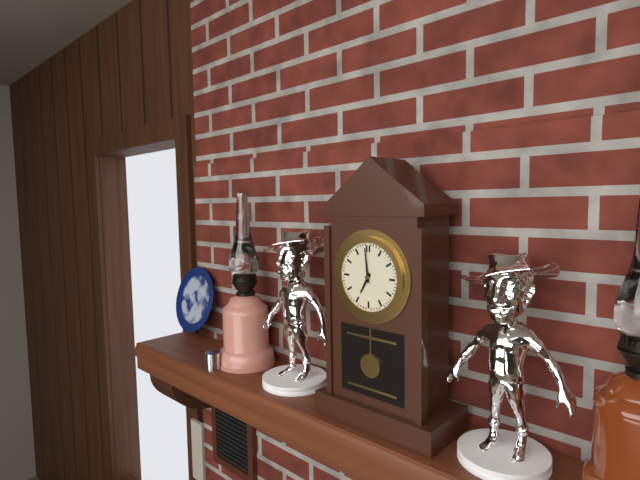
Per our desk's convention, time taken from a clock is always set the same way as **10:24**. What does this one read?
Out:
**6:59**
